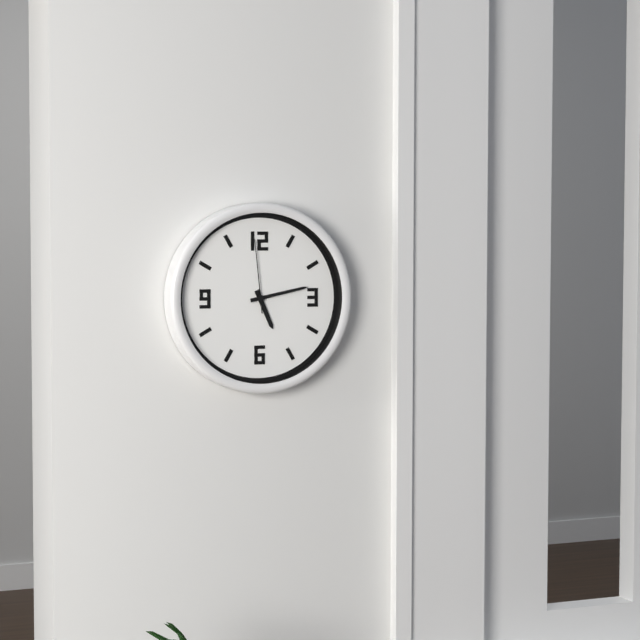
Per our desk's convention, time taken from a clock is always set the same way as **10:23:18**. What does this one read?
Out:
**5:13:59**
